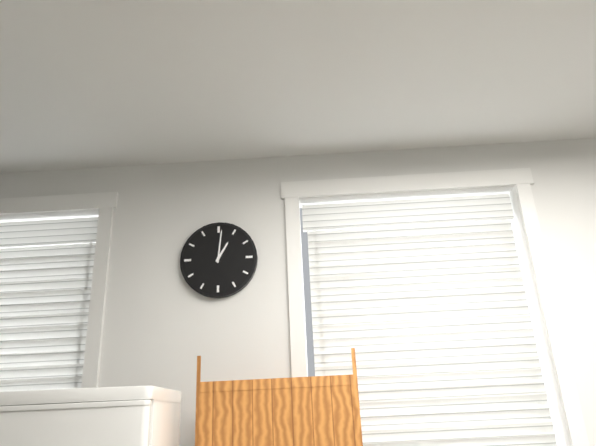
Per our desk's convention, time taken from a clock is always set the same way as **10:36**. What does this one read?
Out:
**1:01**
